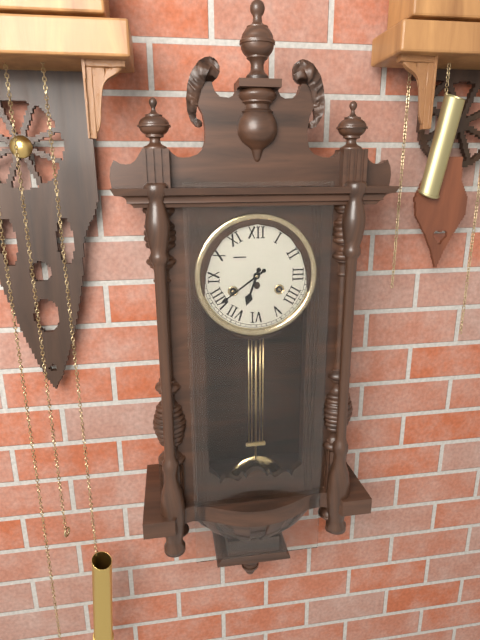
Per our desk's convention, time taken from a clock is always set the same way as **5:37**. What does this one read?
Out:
**6:39**
